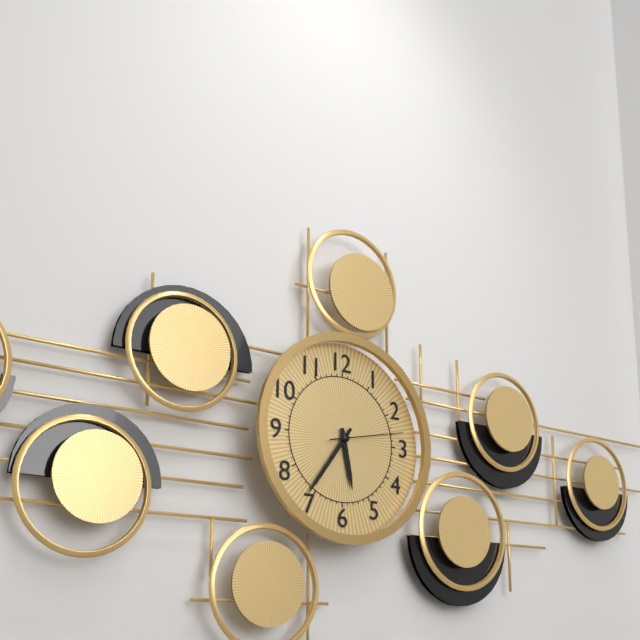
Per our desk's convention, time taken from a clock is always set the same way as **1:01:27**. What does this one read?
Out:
**5:36:13**
